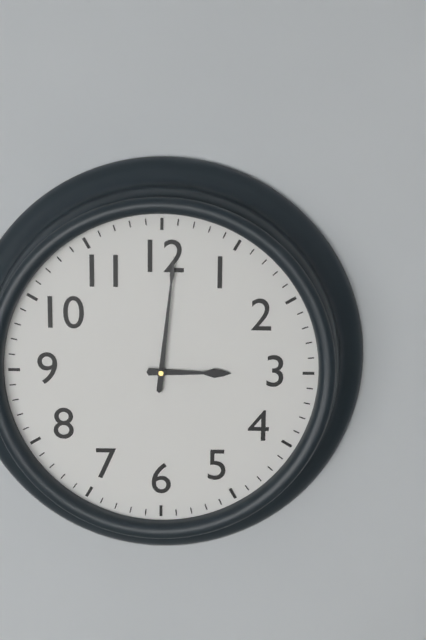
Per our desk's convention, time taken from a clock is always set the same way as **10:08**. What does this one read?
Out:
**3:01**
